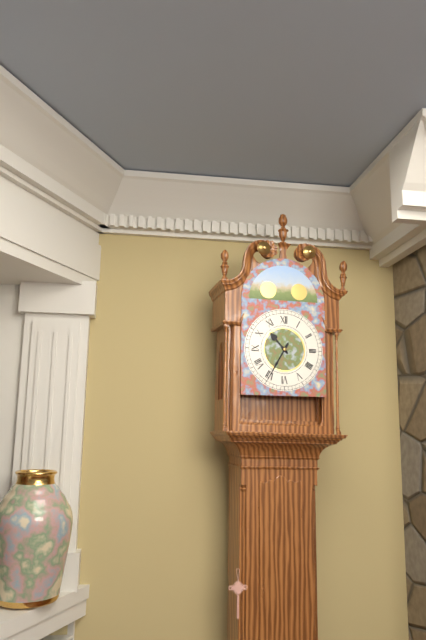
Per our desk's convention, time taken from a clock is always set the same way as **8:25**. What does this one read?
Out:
**10:35**
